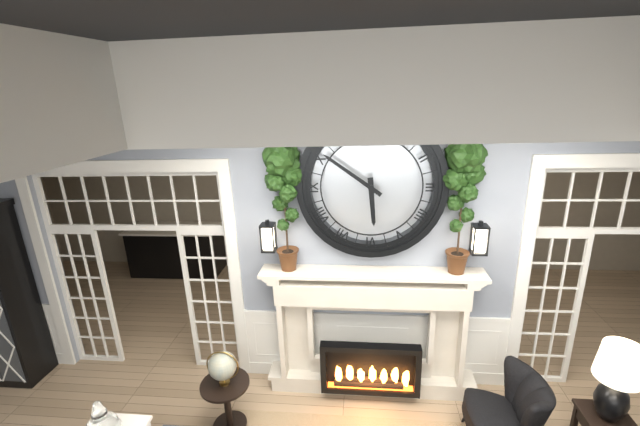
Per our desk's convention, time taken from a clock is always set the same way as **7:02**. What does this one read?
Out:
**5:51**
